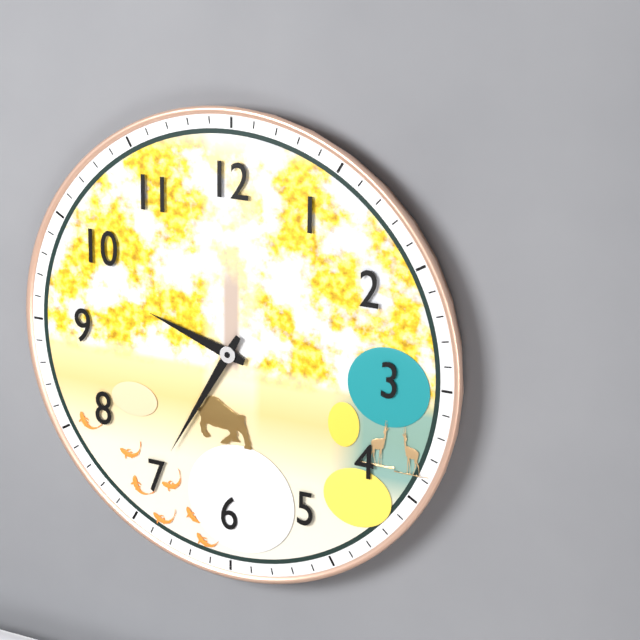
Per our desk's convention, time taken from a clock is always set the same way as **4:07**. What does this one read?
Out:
**9:35**
